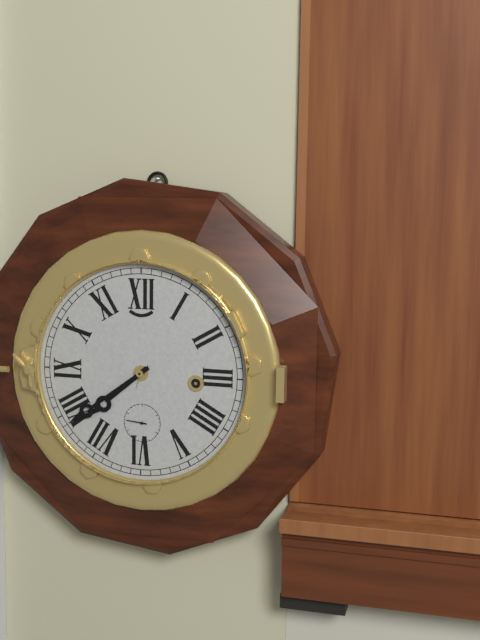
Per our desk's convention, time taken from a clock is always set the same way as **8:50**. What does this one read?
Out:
**7:39**
